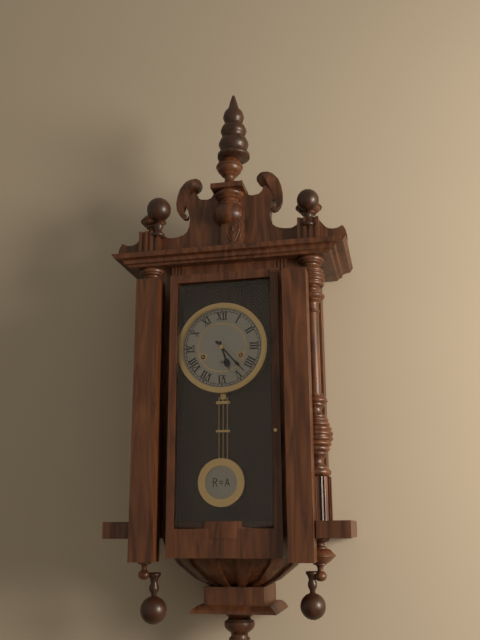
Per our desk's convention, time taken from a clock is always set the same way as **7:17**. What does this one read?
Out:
**5:23**
